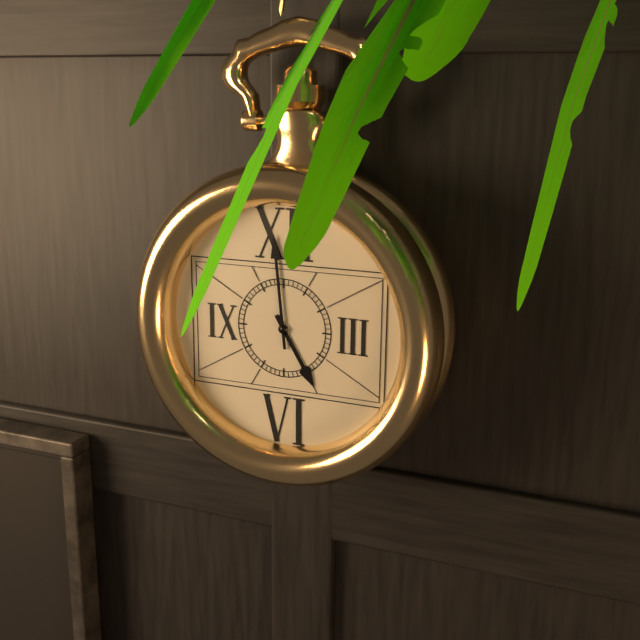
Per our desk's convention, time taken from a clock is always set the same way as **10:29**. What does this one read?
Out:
**4:59**
